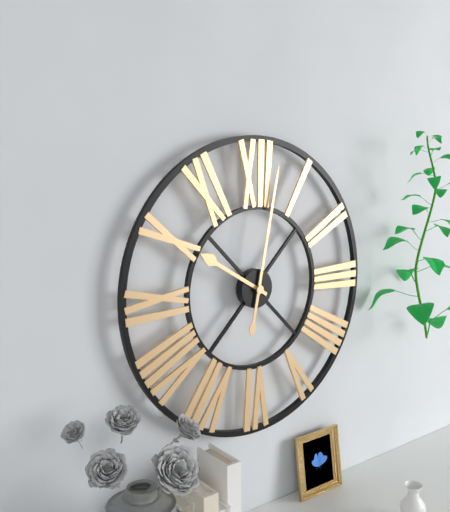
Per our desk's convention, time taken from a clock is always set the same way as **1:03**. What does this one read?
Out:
**10:02**
